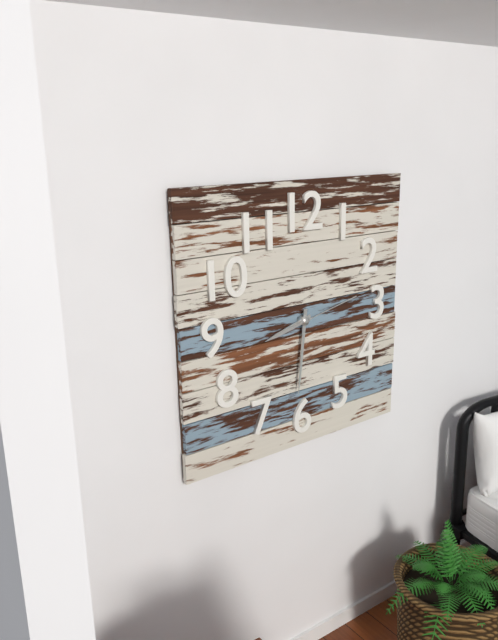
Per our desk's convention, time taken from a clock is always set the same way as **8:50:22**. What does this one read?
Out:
**8:31:13**
